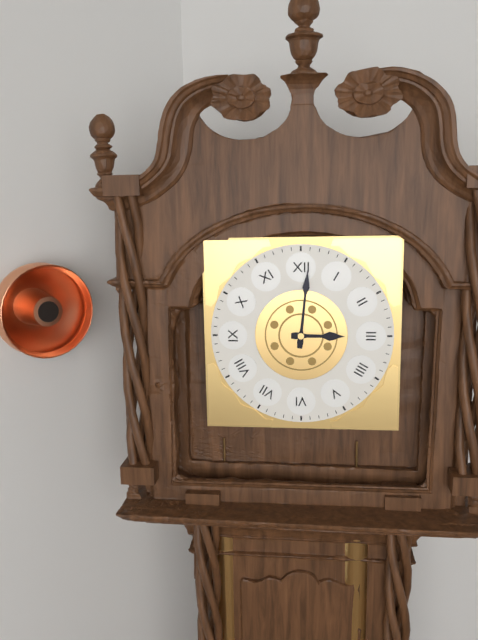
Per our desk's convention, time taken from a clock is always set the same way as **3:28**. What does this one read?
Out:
**3:01**
